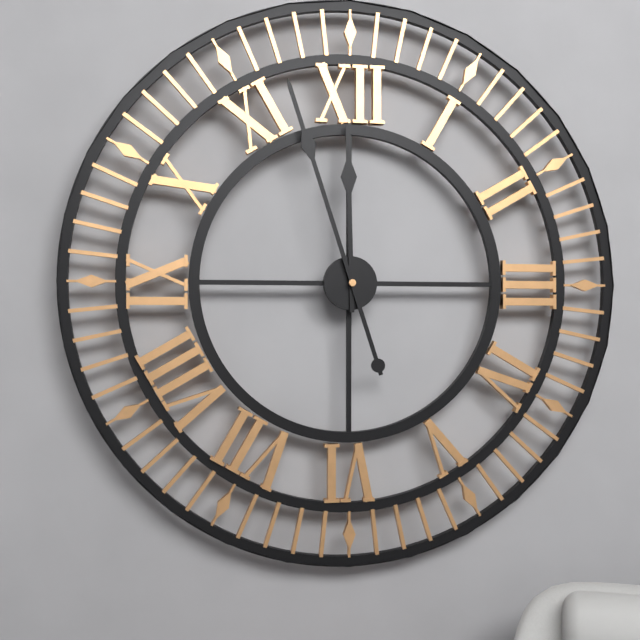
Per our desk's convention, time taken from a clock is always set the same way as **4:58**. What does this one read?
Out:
**11:57**
